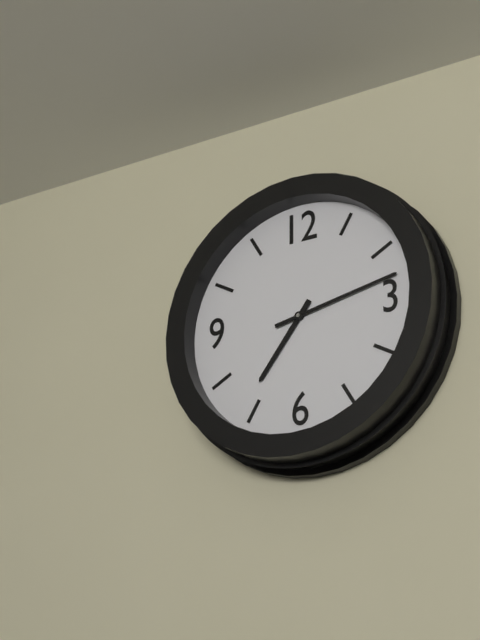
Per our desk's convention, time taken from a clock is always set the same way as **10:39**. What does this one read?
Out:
**7:13**
